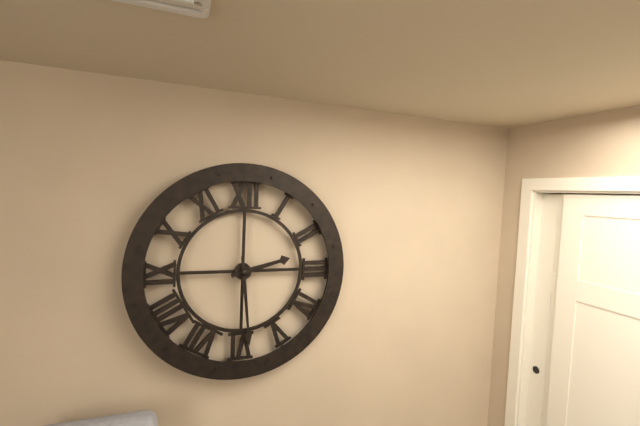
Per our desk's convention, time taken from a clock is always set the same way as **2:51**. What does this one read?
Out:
**2:29**
